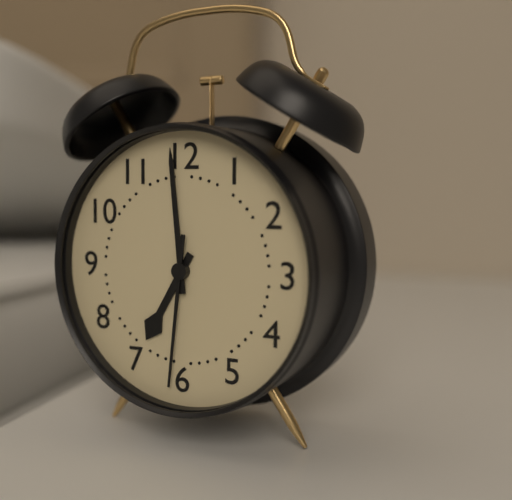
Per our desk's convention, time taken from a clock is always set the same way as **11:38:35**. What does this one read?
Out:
**6:59:31**
